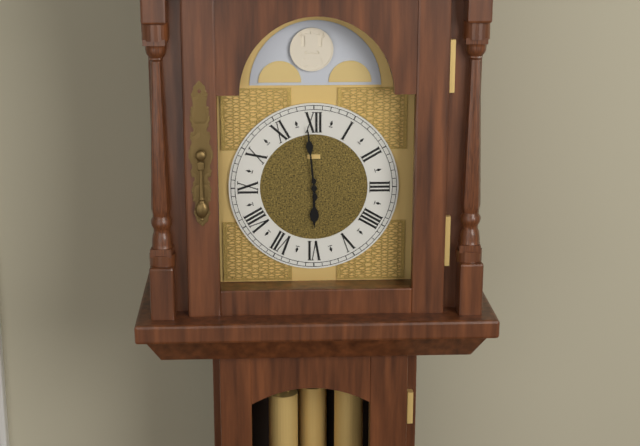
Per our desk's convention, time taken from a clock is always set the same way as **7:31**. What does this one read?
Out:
**5:59**
